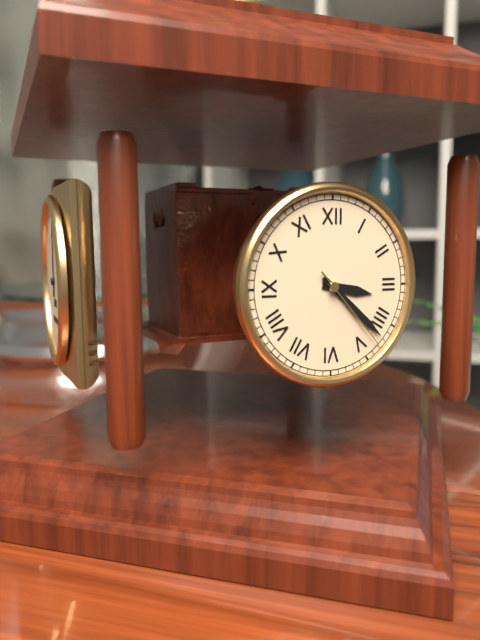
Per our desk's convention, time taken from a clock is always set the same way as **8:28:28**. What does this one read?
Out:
**3:22:23**
